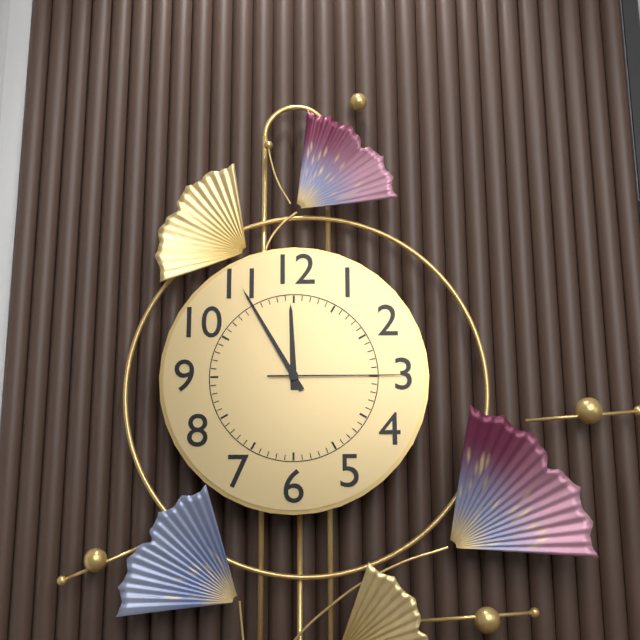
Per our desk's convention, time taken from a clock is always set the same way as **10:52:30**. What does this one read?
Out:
**11:55:15**
